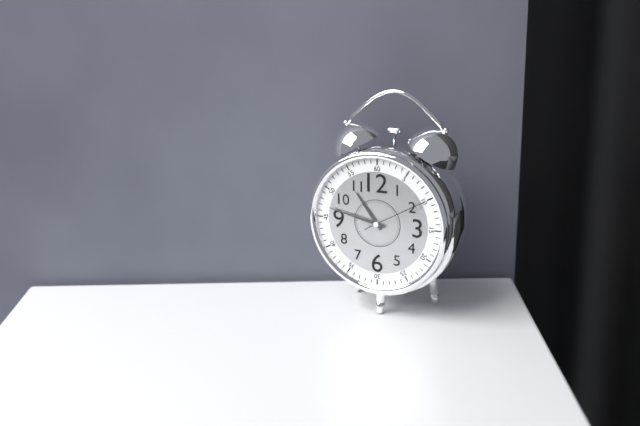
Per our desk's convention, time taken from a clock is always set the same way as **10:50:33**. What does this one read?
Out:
**10:47:10**
